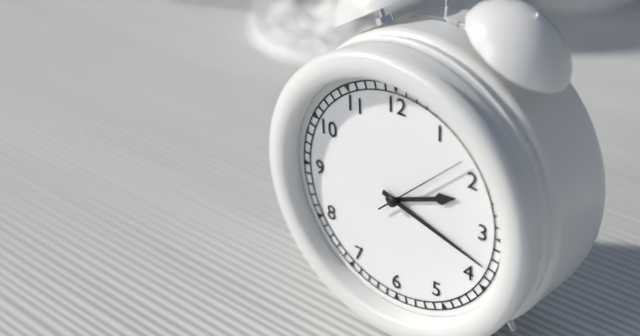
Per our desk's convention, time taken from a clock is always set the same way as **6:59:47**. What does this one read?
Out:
**2:18:08**
